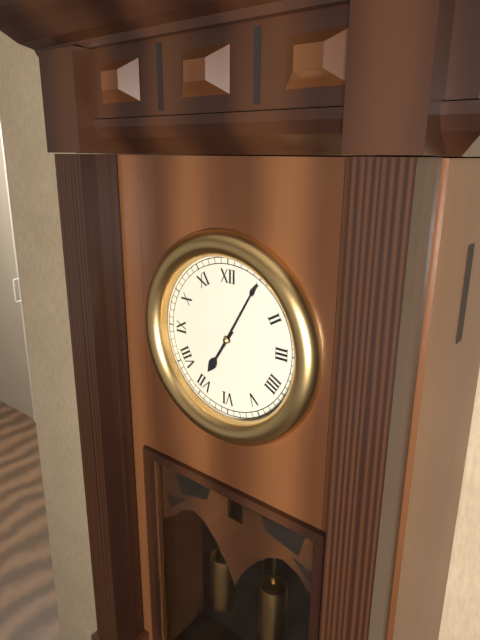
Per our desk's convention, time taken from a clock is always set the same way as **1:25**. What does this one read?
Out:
**7:05**
